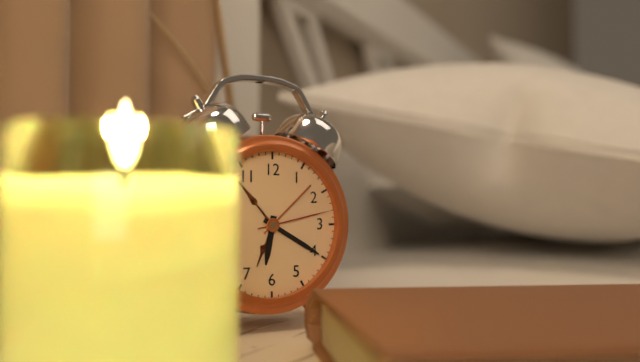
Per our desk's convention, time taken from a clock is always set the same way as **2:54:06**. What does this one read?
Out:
**6:20:13**
